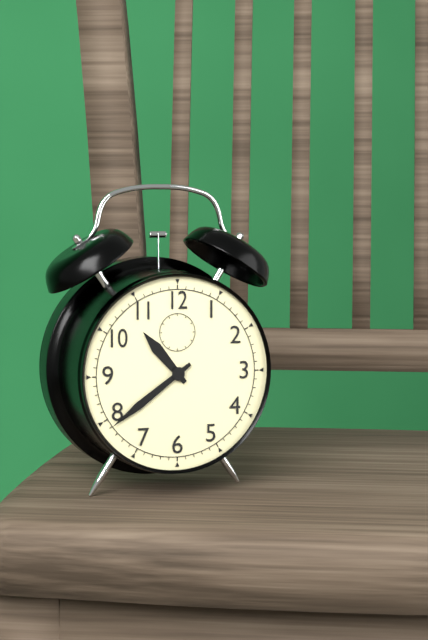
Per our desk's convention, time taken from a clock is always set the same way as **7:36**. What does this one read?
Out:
**10:39**
